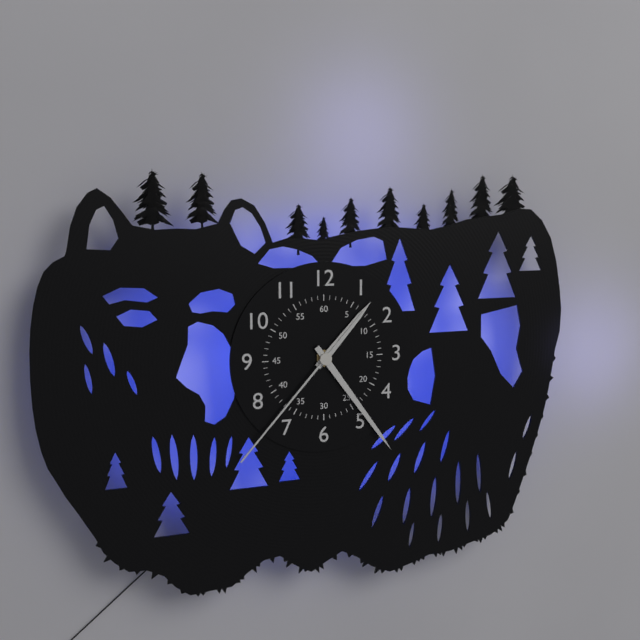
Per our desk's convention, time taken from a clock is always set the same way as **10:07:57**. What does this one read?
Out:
**1:24:37**
